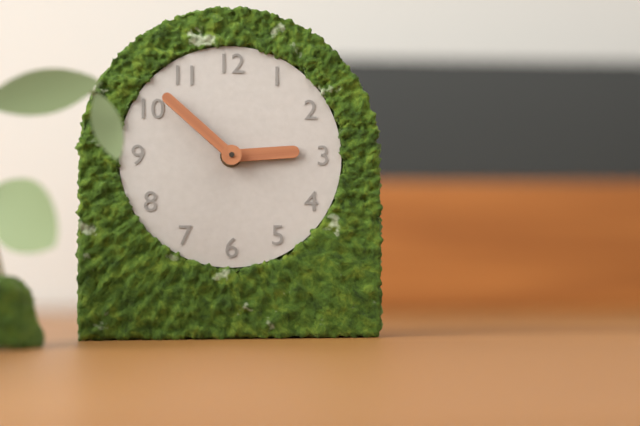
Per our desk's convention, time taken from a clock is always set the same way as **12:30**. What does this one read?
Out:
**2:52**
